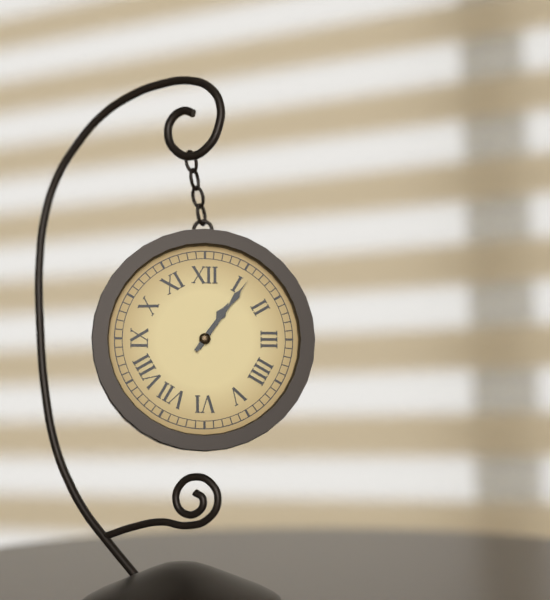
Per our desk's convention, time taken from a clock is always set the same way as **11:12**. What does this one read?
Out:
**1:06**
